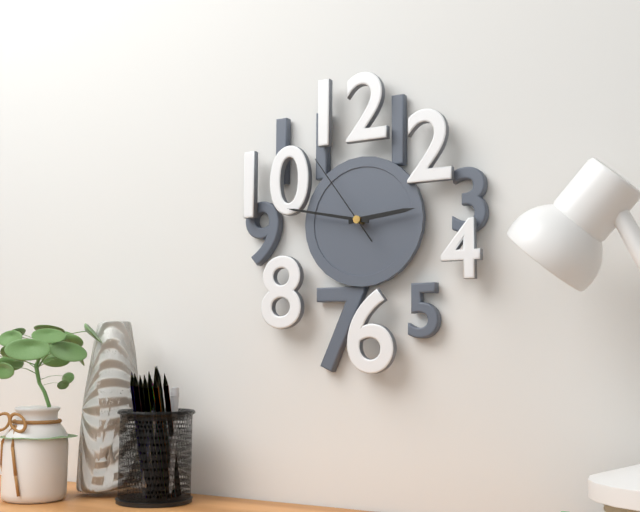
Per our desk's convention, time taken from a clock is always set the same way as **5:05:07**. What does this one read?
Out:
**2:47:54**
